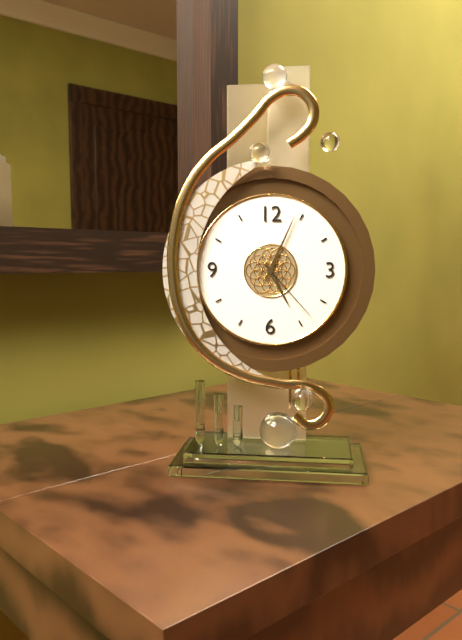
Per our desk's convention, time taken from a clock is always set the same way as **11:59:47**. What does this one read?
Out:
**5:04:23**
